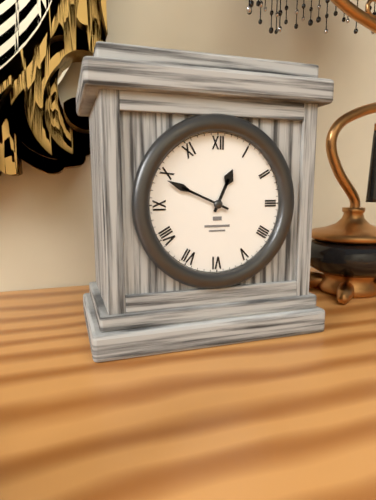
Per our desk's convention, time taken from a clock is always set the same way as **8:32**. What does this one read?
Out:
**12:49**
